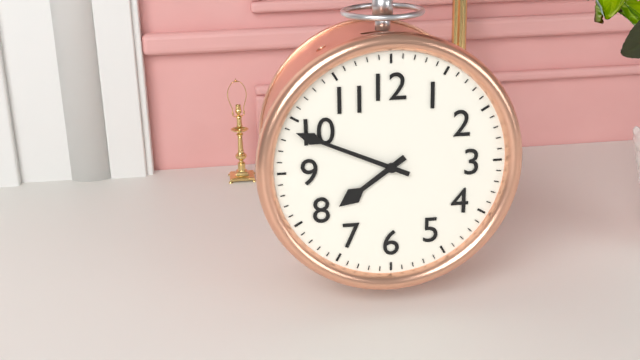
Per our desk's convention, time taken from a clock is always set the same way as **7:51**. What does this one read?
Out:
**7:49**
